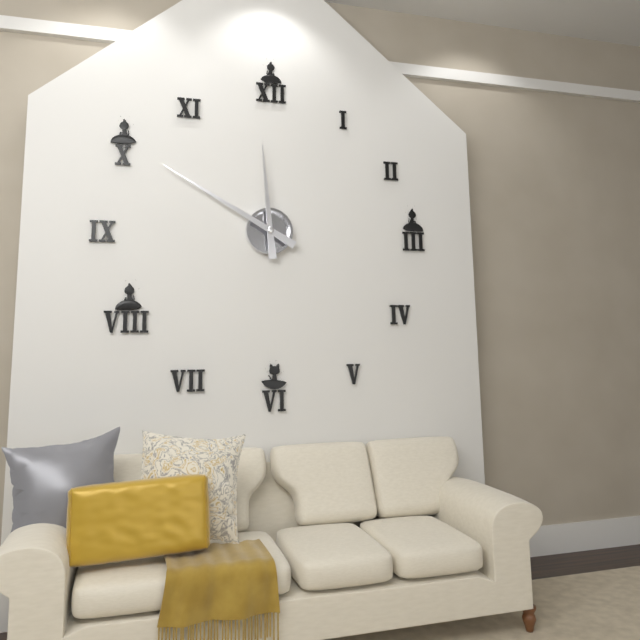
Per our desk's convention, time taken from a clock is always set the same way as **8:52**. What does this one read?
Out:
**11:50**
